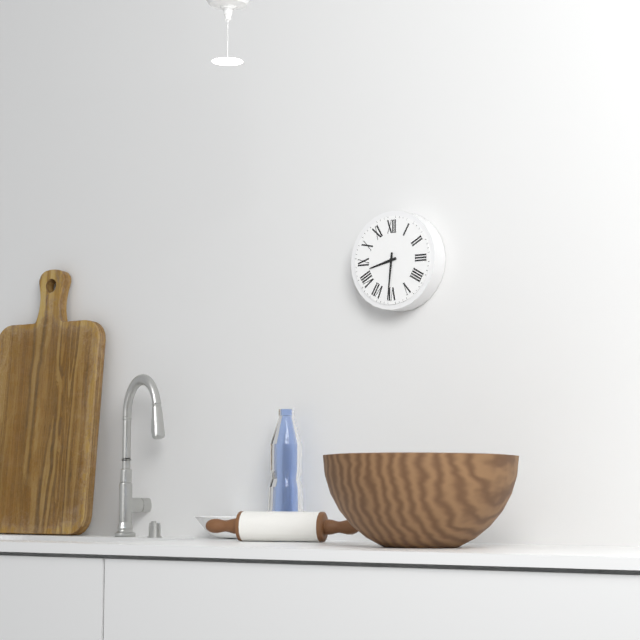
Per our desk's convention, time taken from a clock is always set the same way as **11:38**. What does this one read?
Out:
**8:31**
